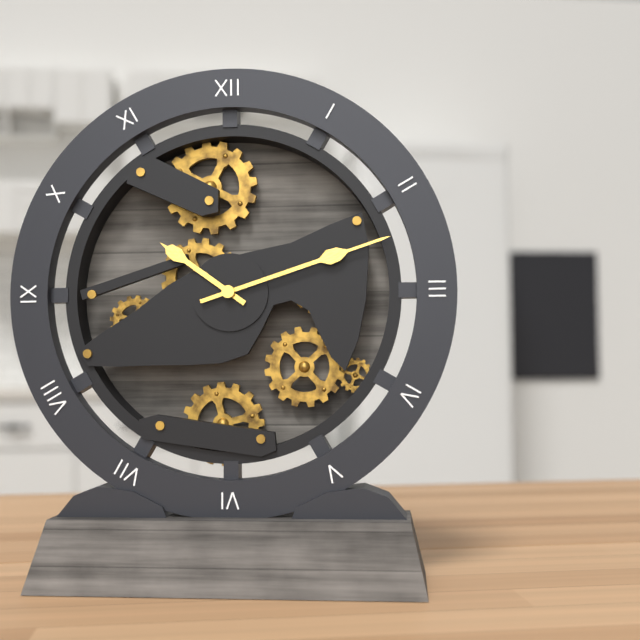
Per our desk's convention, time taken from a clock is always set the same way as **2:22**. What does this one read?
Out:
**10:12**
